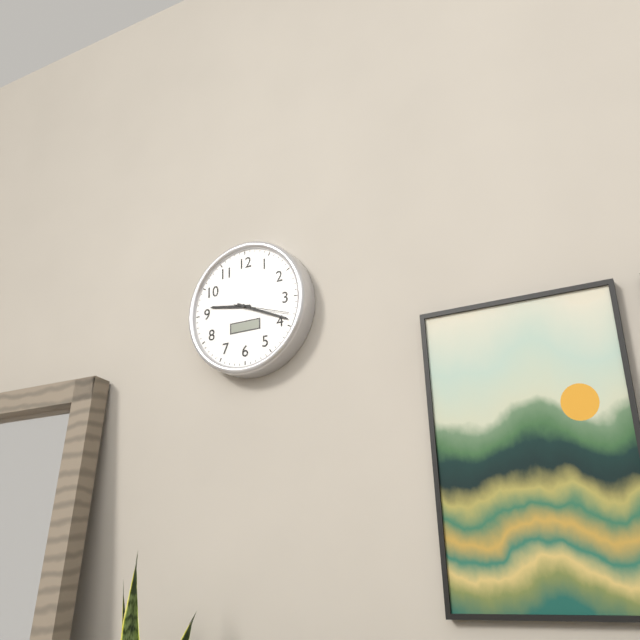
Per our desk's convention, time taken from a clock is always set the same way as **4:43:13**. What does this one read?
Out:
**9:19:18**
